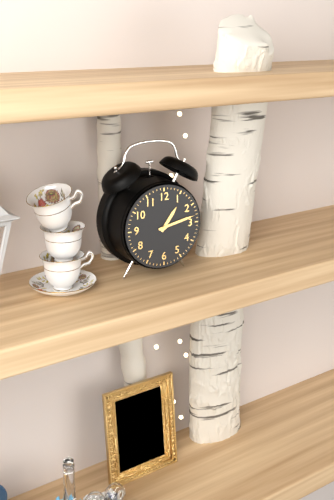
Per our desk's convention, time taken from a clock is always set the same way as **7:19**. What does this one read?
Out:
**1:13**
